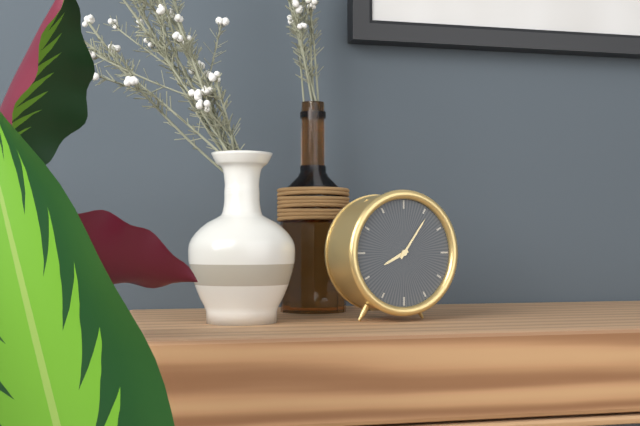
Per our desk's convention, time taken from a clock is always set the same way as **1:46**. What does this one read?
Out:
**8:06**
